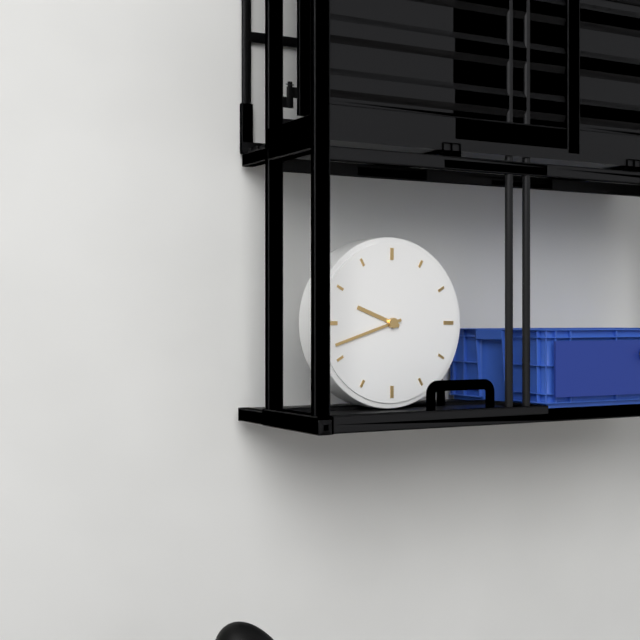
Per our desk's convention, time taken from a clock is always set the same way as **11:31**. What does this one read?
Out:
**9:42**
